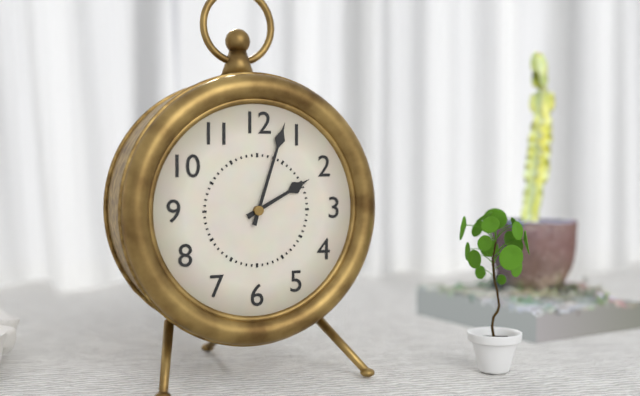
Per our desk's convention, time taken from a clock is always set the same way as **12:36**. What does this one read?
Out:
**2:03**
